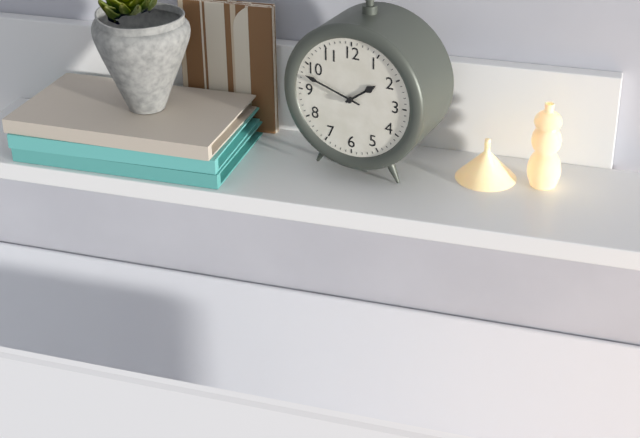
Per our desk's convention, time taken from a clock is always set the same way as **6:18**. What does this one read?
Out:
**1:48**
